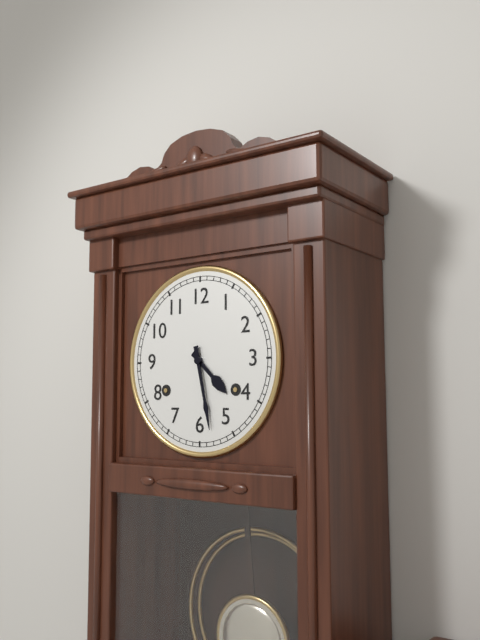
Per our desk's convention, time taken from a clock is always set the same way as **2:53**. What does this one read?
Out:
**4:28**
